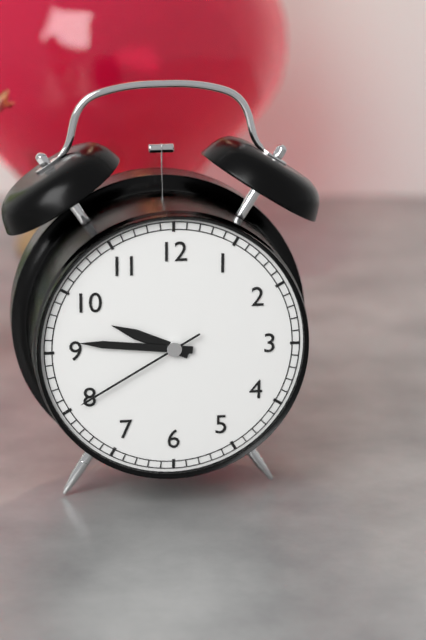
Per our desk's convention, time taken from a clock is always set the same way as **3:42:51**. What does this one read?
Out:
**9:46:40**
